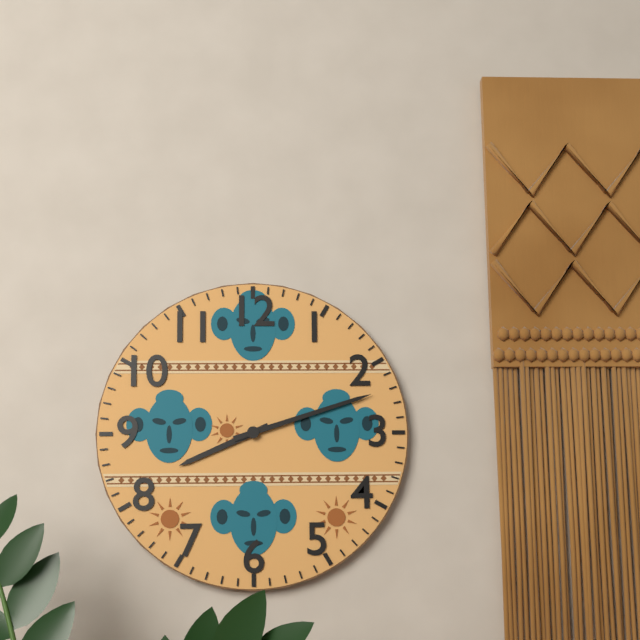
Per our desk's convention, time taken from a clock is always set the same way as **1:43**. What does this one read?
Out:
**8:12**
